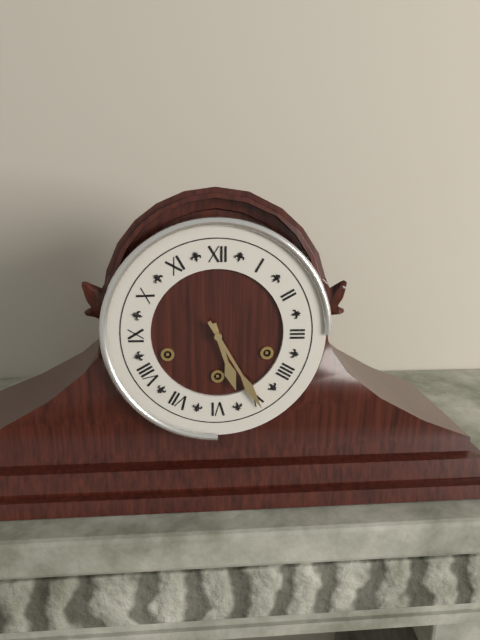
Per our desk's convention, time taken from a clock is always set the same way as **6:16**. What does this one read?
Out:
**5:25**
